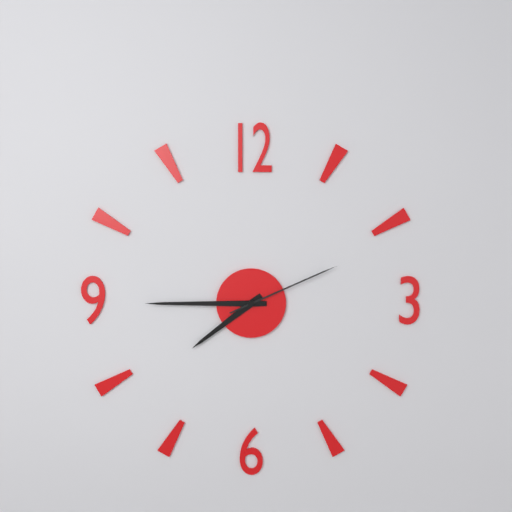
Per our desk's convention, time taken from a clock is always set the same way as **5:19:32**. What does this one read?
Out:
**7:45:11**
